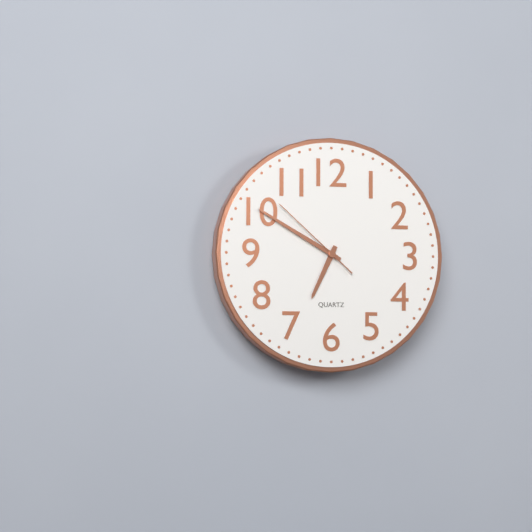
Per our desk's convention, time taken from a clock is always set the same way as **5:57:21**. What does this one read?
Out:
**6:50:52**
